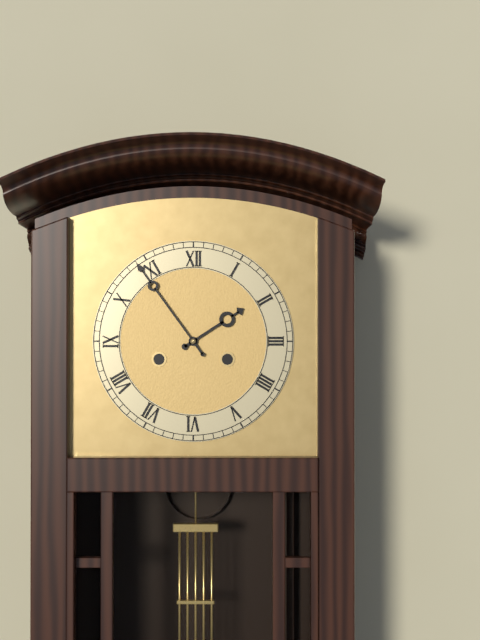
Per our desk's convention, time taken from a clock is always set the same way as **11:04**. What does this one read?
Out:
**1:54**
